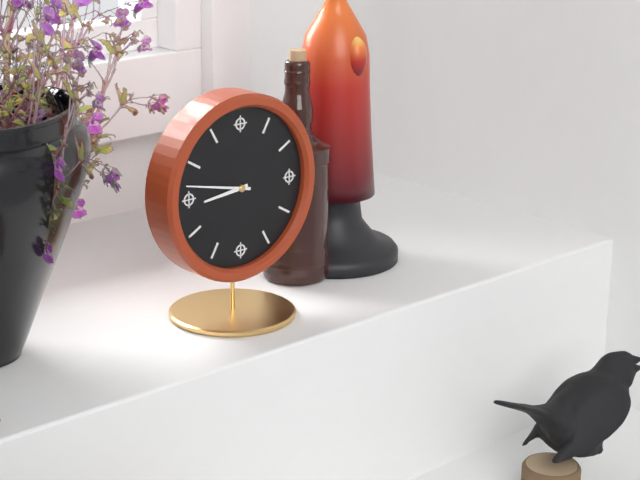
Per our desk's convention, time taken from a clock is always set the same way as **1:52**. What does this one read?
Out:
**8:47**
